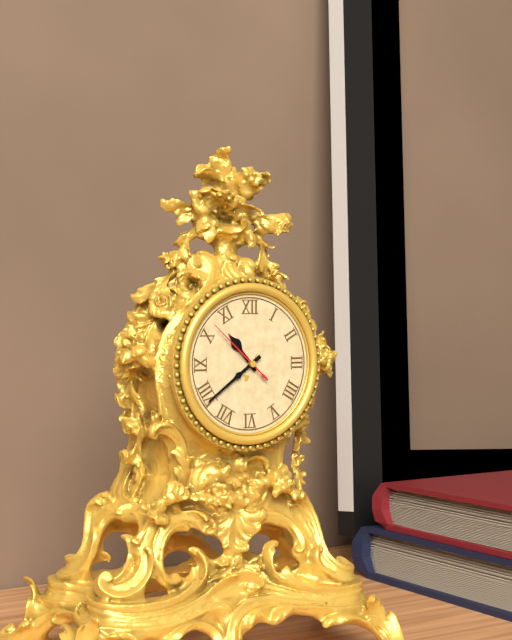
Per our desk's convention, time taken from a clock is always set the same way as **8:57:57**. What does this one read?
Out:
**10:39:52**
